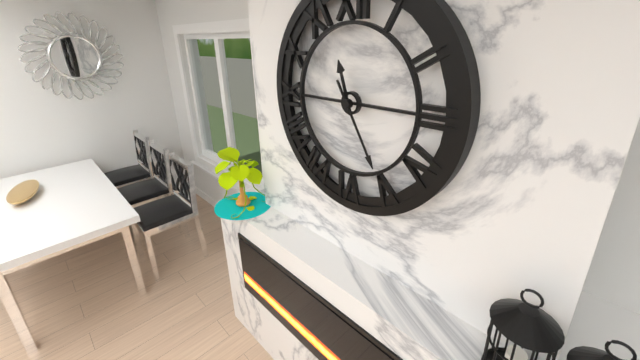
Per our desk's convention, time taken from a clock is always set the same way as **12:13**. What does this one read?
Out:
**11:25**
